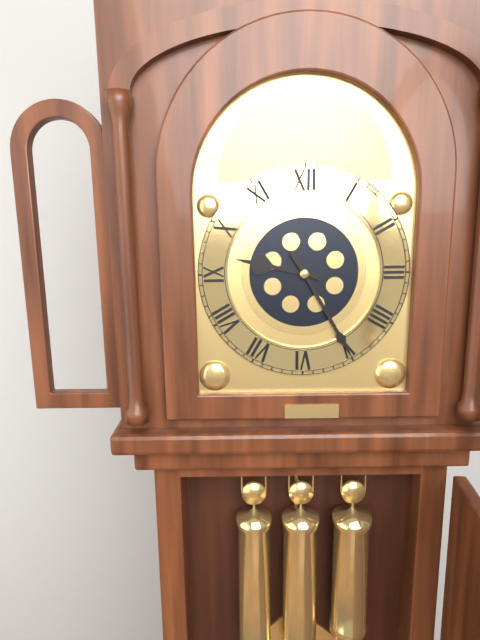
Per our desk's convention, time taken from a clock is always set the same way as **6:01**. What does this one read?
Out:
**9:25**
